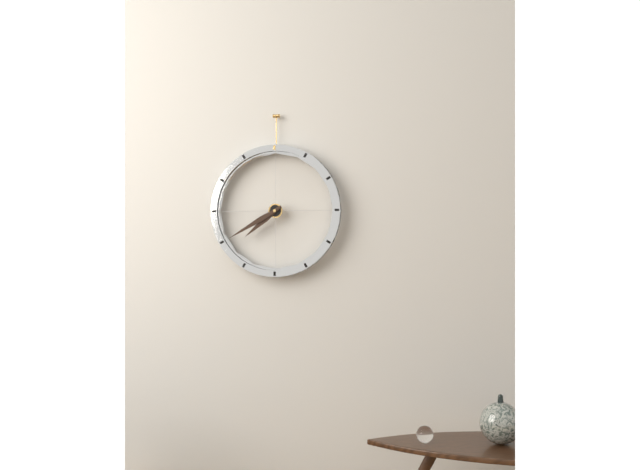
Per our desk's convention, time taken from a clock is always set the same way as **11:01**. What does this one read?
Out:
**7:40**
